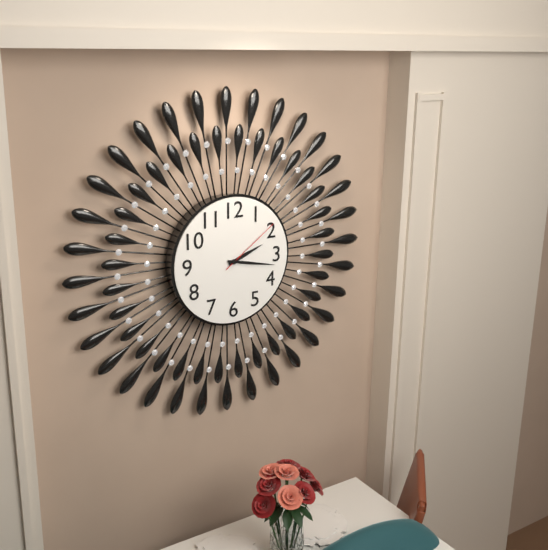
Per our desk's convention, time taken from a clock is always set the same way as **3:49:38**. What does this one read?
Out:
**2:17:09**
